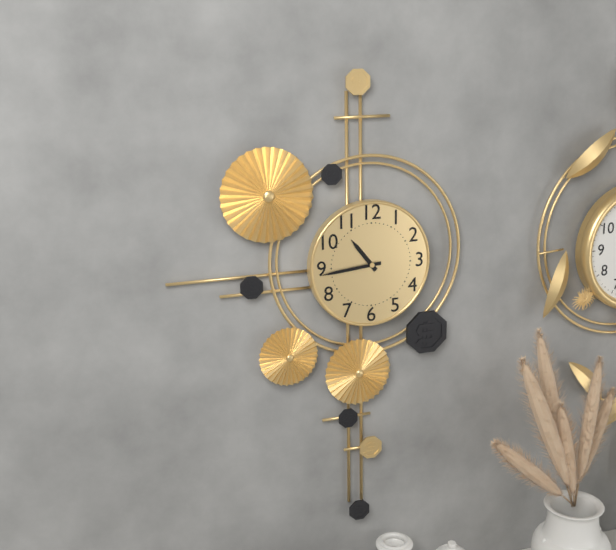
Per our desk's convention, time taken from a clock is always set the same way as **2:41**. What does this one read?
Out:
**10:44**
